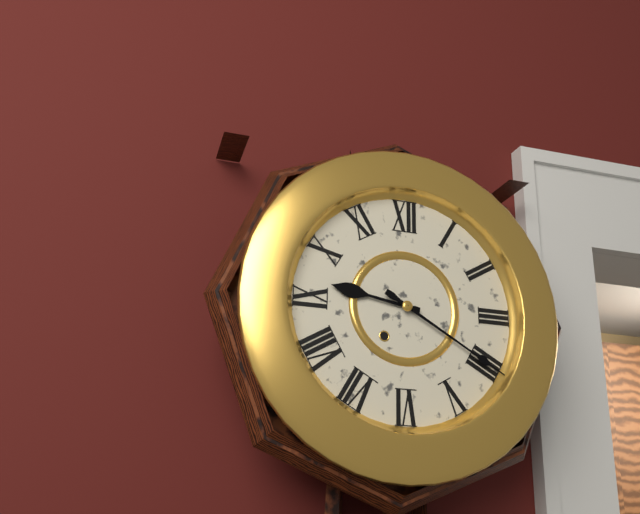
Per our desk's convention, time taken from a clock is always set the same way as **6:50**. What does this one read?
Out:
**9:20**
